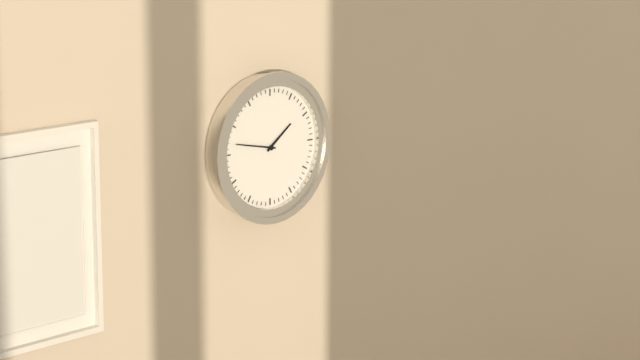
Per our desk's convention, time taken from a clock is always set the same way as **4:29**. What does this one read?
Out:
**1:47**
